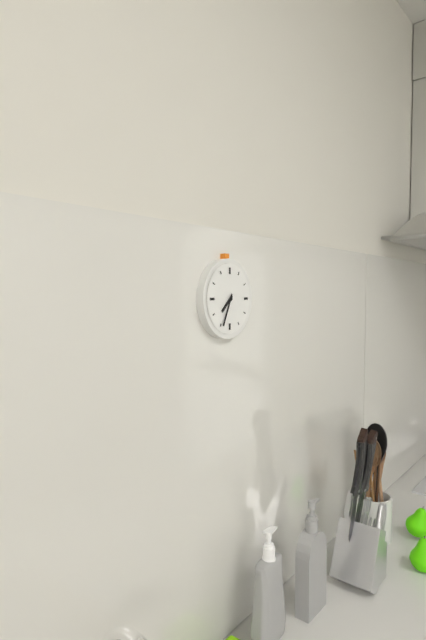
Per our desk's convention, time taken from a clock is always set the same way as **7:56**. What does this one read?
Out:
**7:34**
